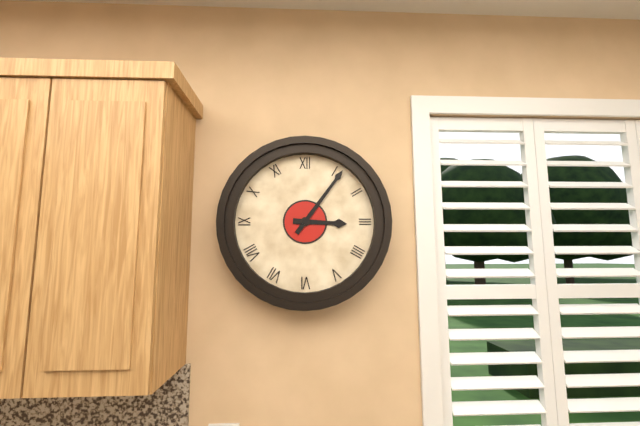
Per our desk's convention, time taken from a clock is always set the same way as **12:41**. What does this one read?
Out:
**3:06**
